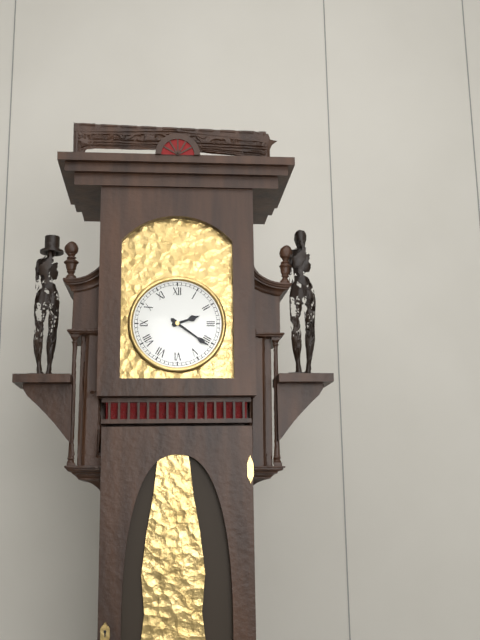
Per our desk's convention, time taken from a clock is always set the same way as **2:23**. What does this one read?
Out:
**2:21**
